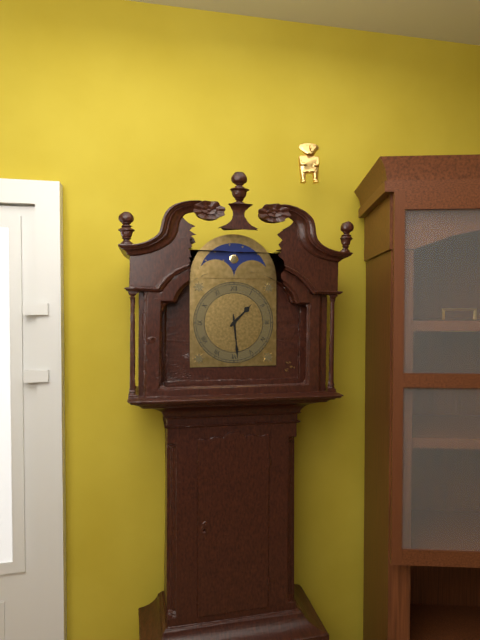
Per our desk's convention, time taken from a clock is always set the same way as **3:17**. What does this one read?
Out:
**1:29**
